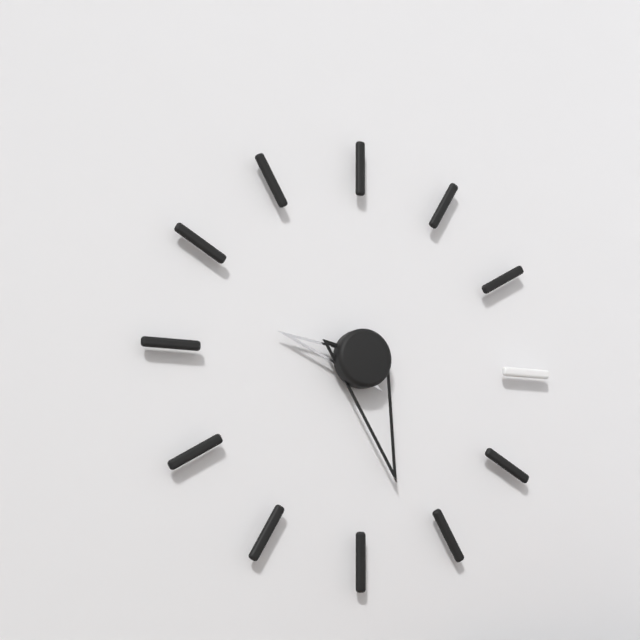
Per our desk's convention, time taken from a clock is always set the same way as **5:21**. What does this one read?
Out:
**9:27**
